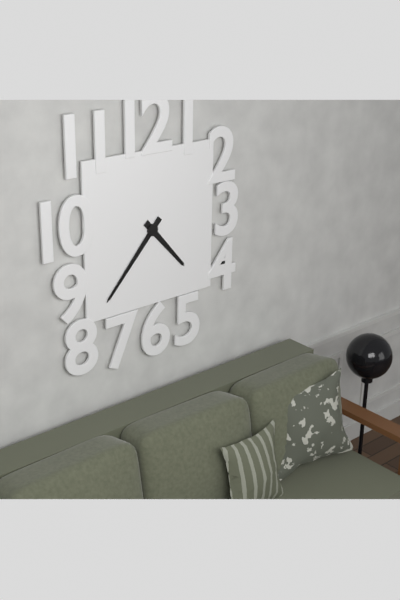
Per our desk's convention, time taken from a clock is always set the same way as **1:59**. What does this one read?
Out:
**4:37**
